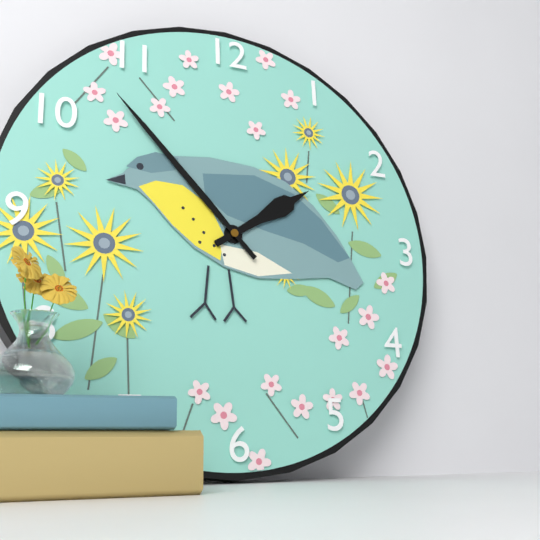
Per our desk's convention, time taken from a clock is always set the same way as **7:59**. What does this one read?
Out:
**1:53**
